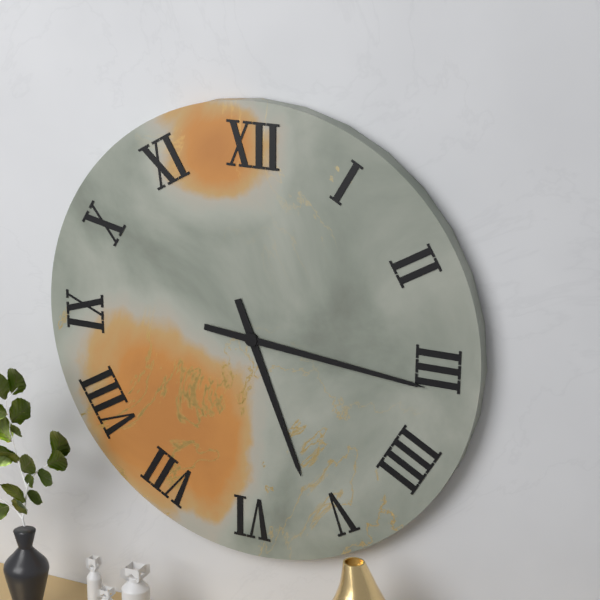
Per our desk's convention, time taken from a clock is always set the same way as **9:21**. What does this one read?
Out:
**5:16**
